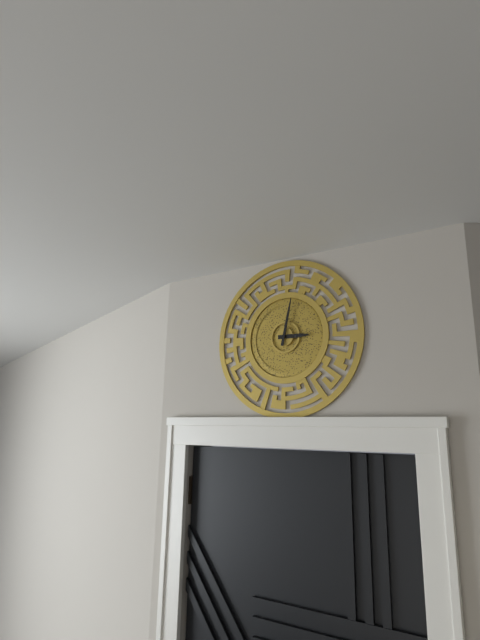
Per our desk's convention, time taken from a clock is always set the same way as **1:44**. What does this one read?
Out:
**3:02**
